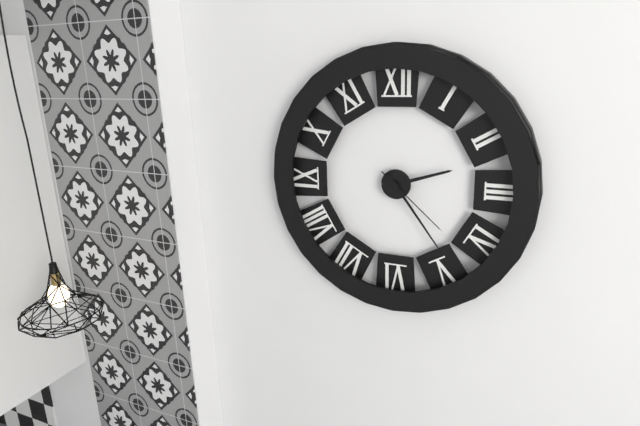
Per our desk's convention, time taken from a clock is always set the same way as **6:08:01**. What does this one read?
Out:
**2:24:22**
